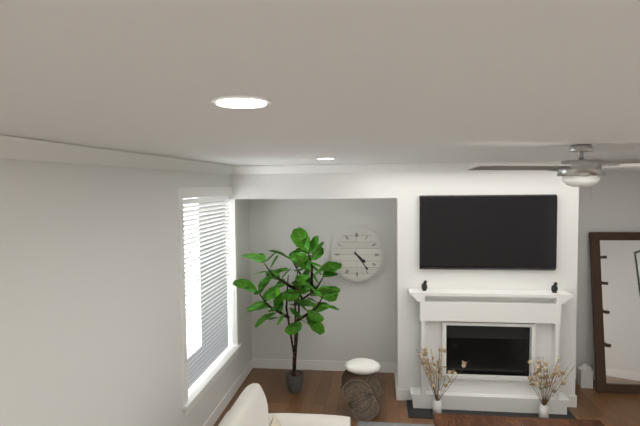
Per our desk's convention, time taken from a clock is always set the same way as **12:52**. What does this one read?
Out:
**4:24**
